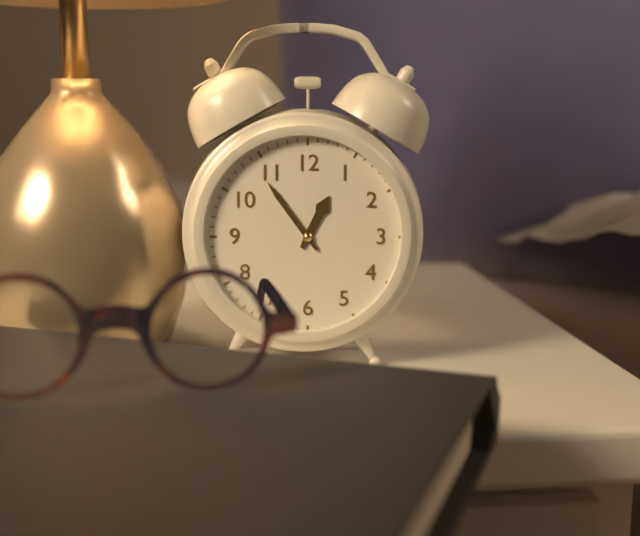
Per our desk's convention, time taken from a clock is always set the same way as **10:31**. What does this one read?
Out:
**12:54**
